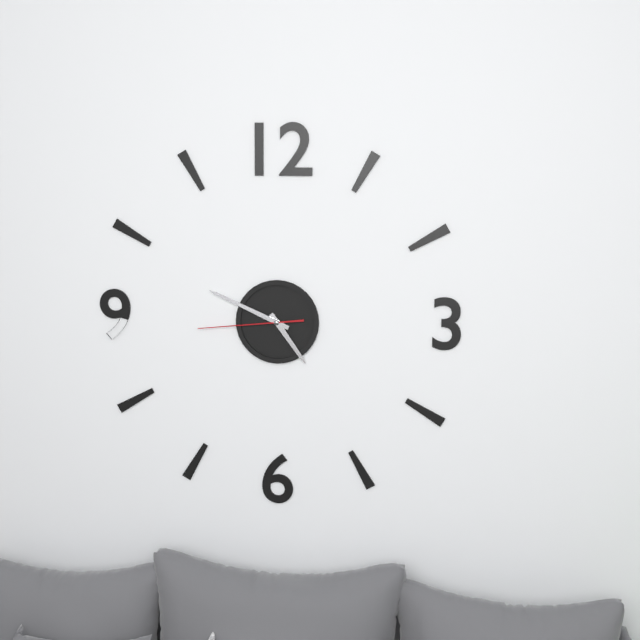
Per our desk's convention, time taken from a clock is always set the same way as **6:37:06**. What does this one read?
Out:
**4:49:44**
